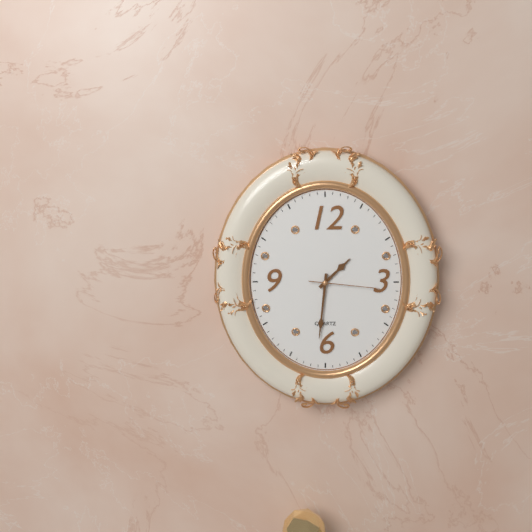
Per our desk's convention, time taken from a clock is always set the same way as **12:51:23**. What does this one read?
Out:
**1:31:16**
